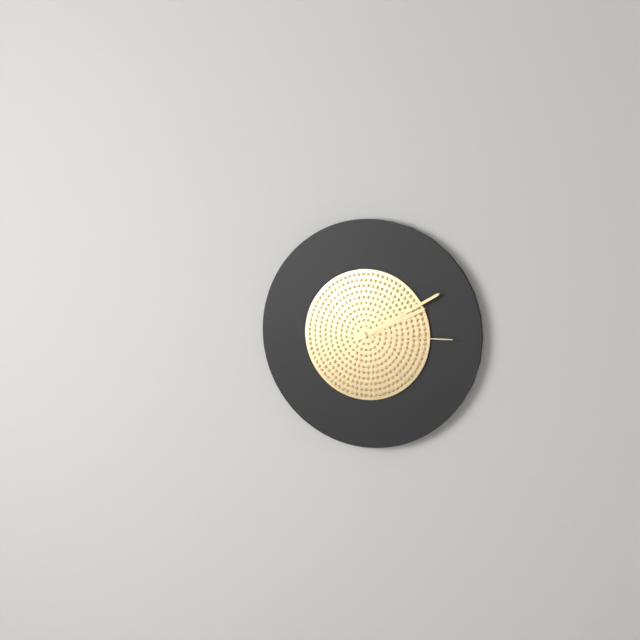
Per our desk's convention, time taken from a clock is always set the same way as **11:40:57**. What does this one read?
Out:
**2:10:15**
